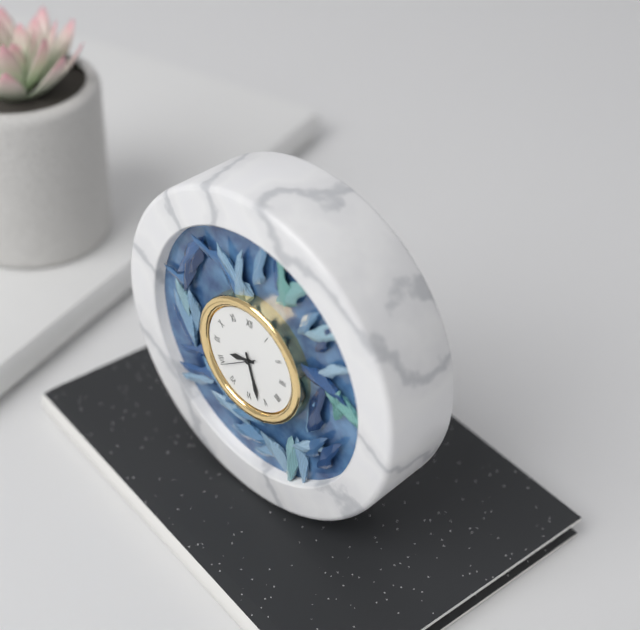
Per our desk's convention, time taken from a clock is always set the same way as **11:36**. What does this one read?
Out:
**8:27**
